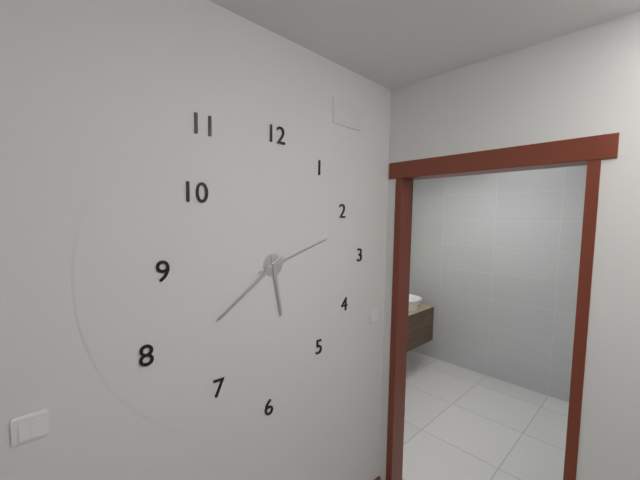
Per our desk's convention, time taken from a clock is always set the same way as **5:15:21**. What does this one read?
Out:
**5:39:12**
